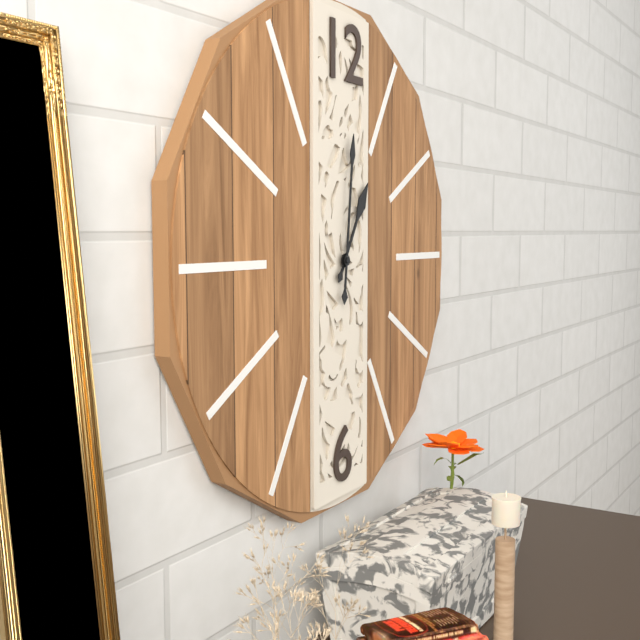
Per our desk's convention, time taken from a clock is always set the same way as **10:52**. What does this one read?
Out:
**1:01**
